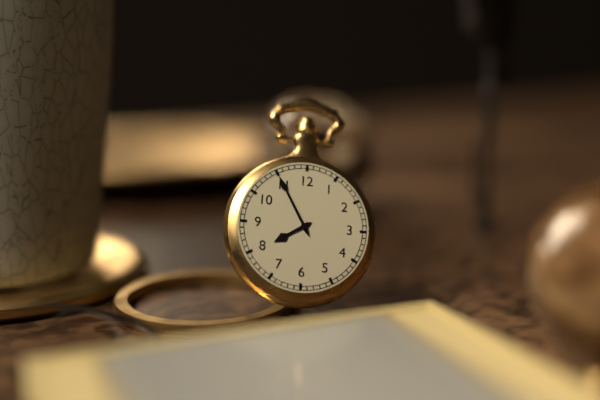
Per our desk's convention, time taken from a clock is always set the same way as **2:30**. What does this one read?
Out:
**7:55**
